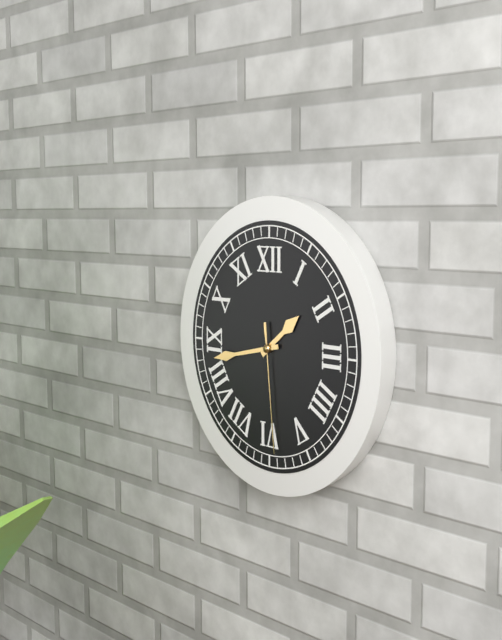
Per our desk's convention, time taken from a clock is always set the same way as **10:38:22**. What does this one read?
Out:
**1:43:29**
